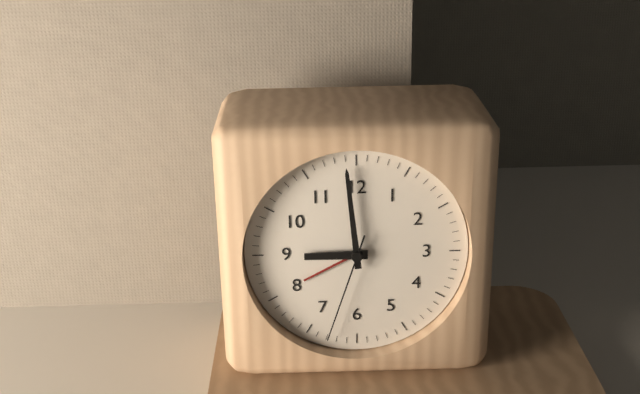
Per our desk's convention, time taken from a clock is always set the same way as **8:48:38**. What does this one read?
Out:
**8:59:33**
